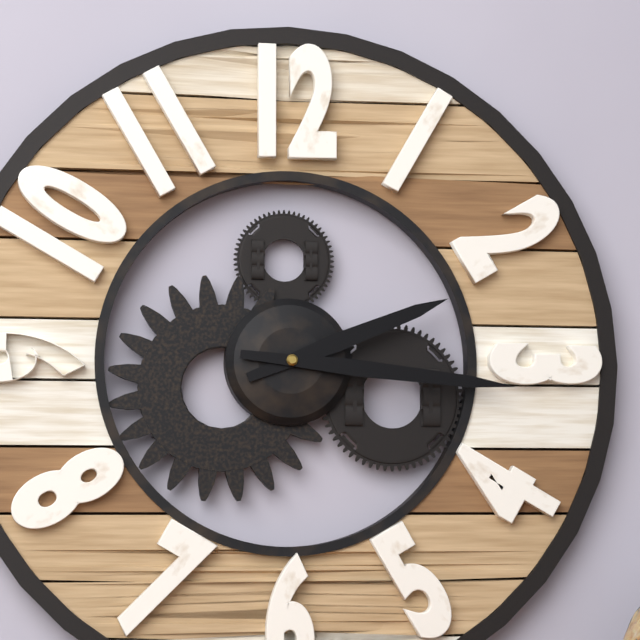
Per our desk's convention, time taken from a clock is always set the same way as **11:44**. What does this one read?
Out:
**2:16**
